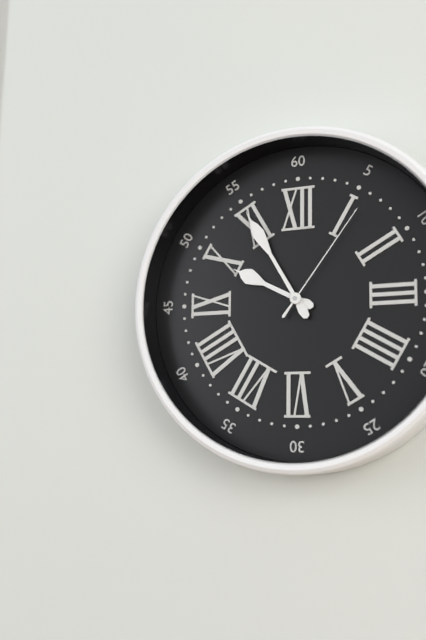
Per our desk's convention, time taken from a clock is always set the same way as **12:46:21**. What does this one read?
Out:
**9:55:06**
